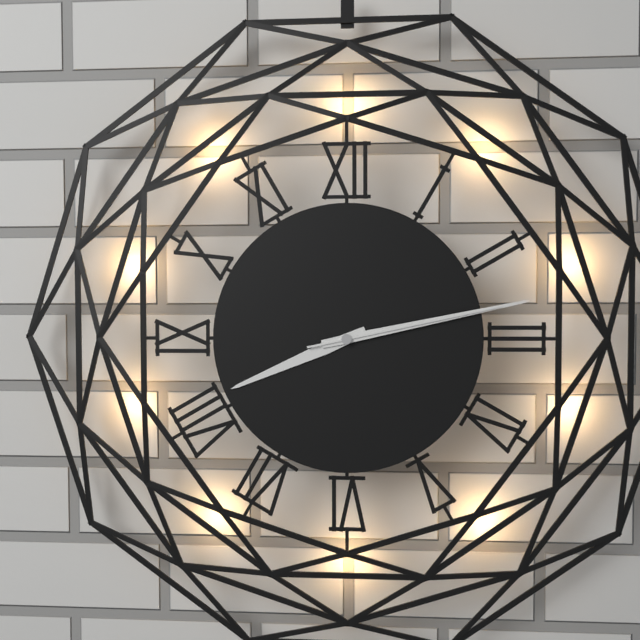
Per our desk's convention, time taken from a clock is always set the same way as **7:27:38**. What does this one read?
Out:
**8:13:13**
